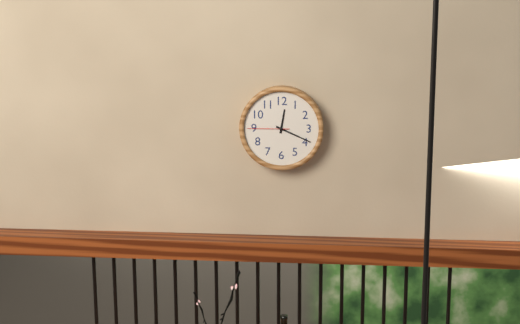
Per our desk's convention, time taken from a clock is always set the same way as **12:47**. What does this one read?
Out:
**12:19**
